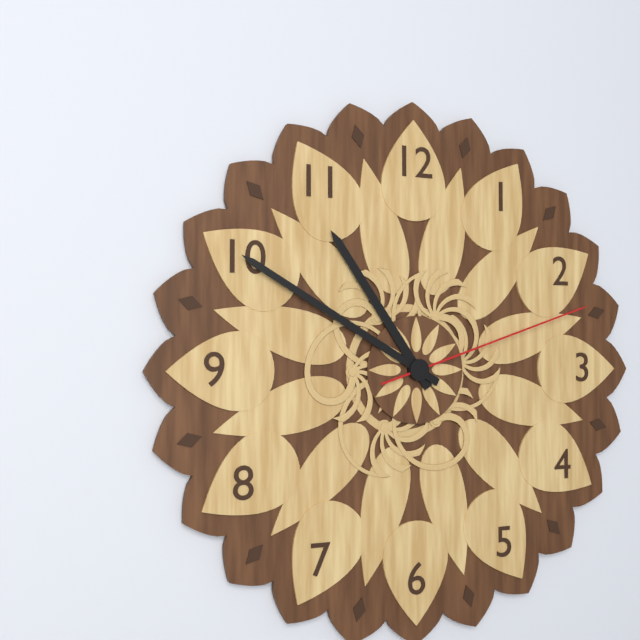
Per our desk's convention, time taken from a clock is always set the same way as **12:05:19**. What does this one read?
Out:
**10:50:12**
